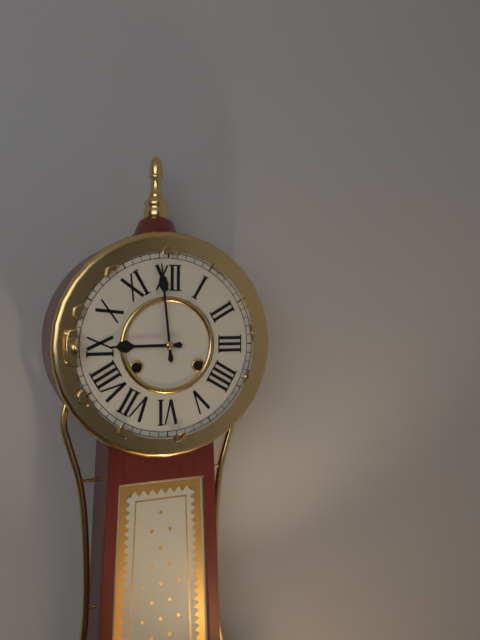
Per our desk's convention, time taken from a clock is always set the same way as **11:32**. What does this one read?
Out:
**8:59**
